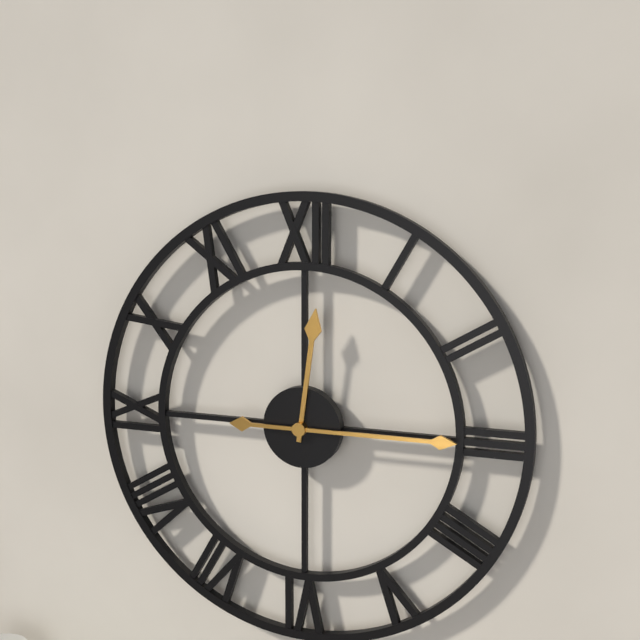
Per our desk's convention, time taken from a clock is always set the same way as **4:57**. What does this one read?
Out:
**12:15**
